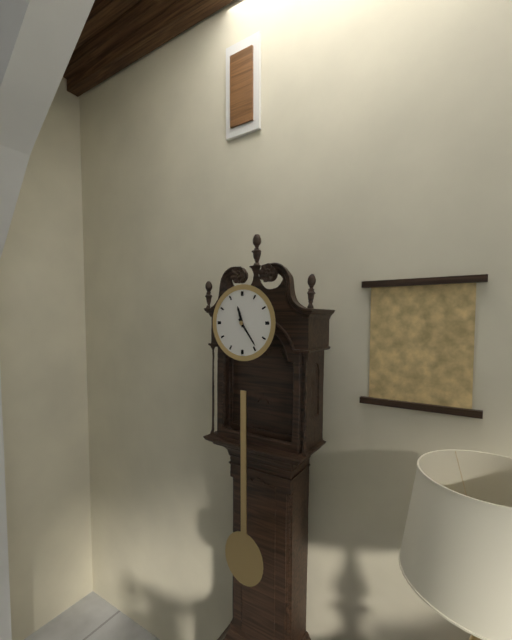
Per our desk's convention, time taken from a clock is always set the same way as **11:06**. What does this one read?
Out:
**11:24**
